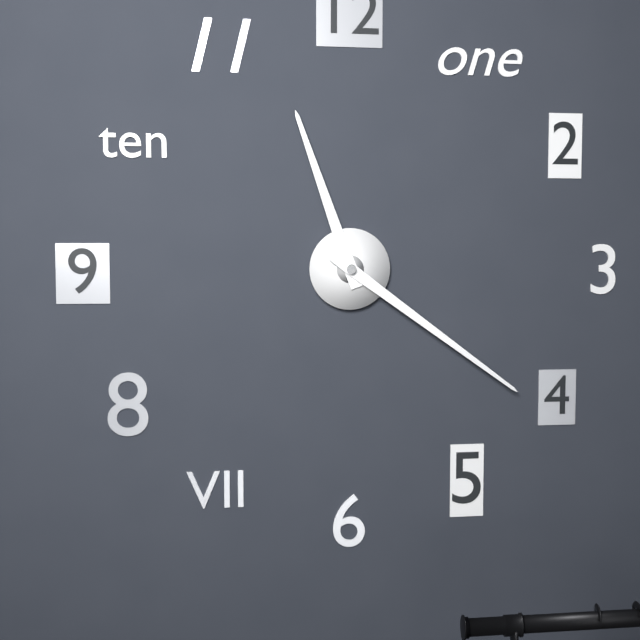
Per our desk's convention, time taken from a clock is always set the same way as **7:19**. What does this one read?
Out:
**11:21**
